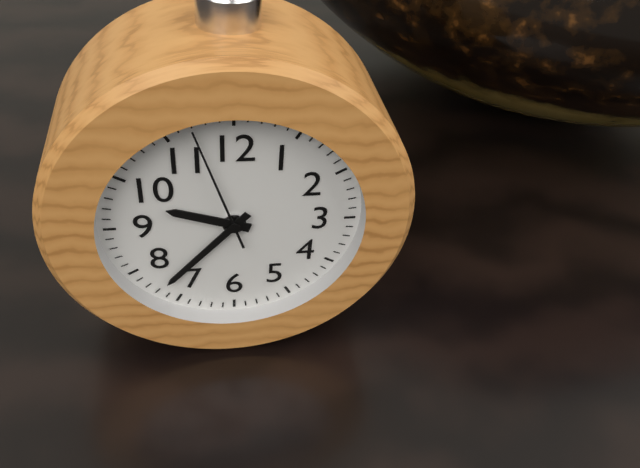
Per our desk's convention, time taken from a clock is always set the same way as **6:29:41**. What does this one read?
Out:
**9:37:57**
